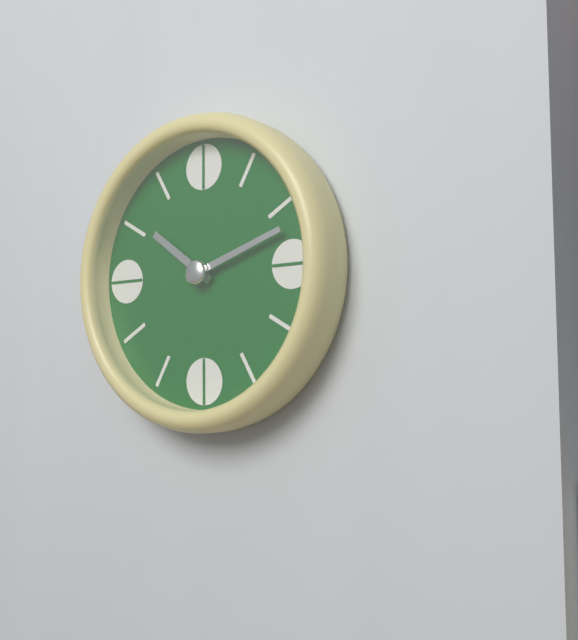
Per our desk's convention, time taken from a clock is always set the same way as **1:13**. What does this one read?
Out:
**10:12**
